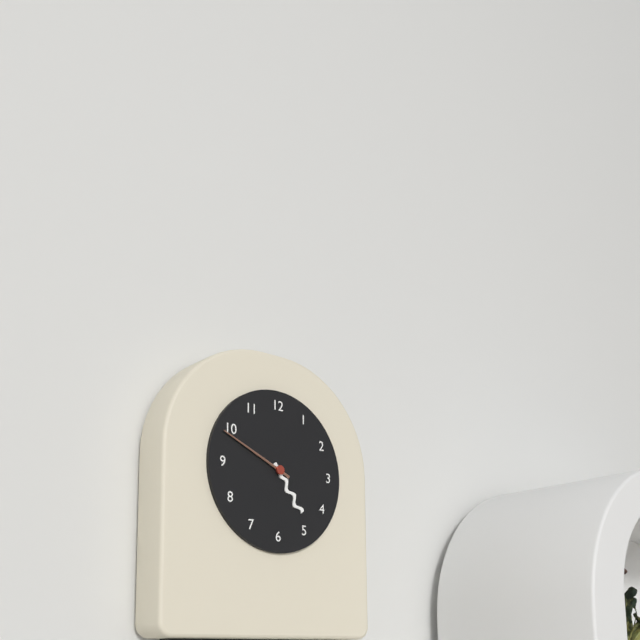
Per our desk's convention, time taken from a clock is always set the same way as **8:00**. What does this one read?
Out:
**4:49**
